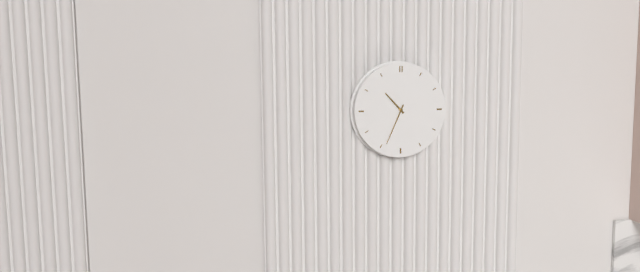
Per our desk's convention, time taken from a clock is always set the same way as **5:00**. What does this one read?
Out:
**10:34**
